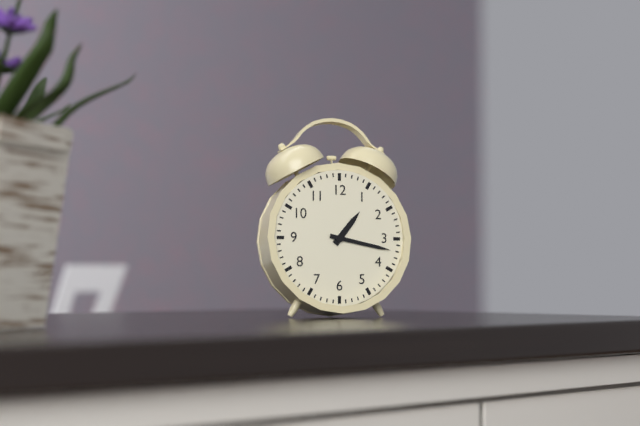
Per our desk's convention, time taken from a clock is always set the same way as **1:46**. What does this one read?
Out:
**1:17**
